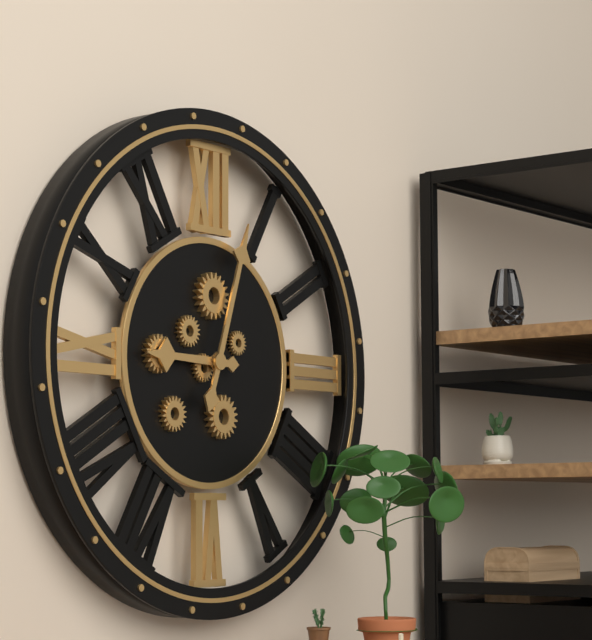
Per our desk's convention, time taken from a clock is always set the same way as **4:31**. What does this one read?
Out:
**9:03**
